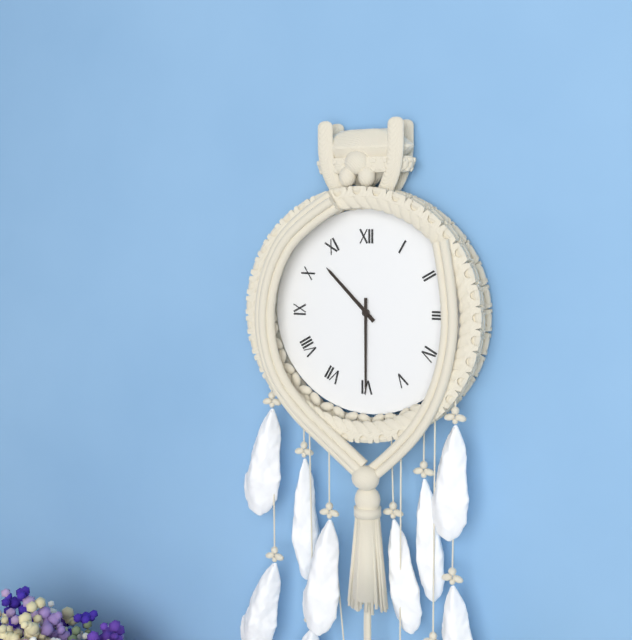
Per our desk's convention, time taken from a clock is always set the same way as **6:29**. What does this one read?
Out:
**10:30**
